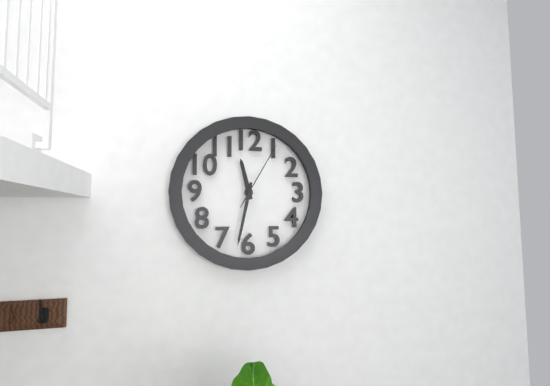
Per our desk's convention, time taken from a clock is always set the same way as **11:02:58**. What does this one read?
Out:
**11:32:05**
